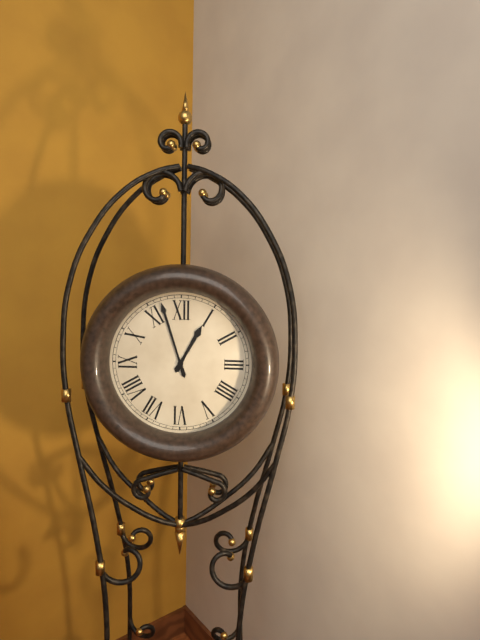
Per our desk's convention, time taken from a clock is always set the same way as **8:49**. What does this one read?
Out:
**12:57**
